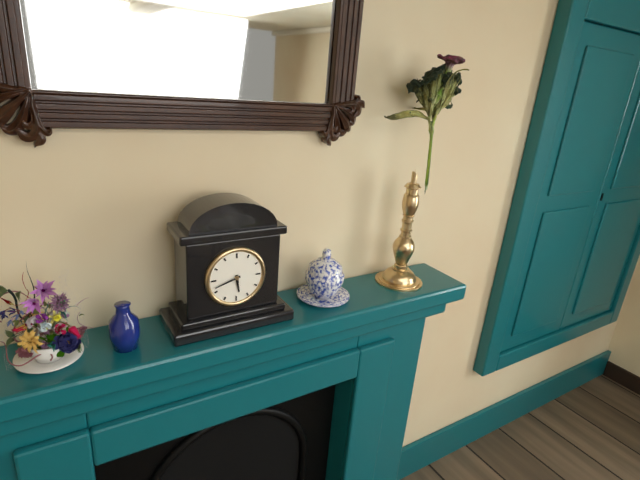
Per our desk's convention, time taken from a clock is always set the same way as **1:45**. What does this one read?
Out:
**5:42**
